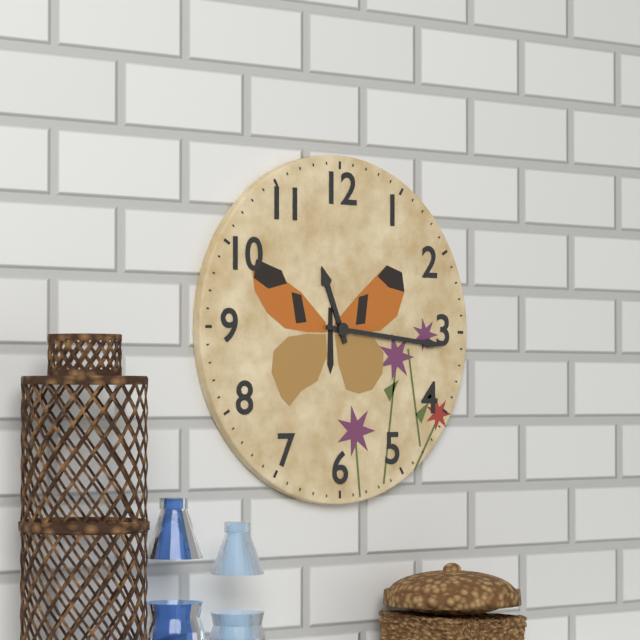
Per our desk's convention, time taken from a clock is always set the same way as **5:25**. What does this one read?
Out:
**11:16**
